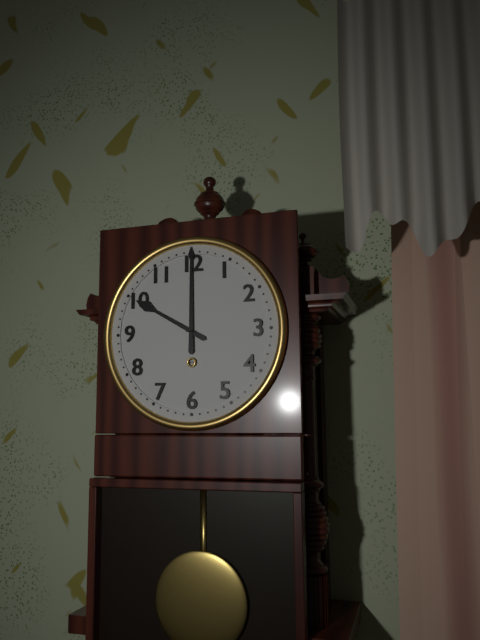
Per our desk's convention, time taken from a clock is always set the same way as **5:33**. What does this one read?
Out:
**10:00**
